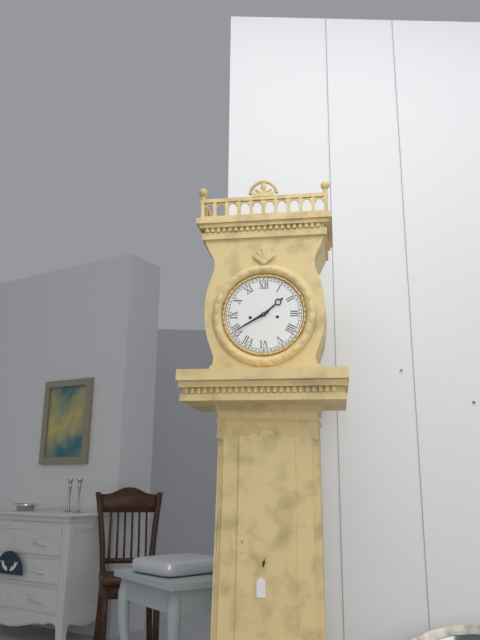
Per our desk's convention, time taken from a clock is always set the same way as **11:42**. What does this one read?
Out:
**1:40**
